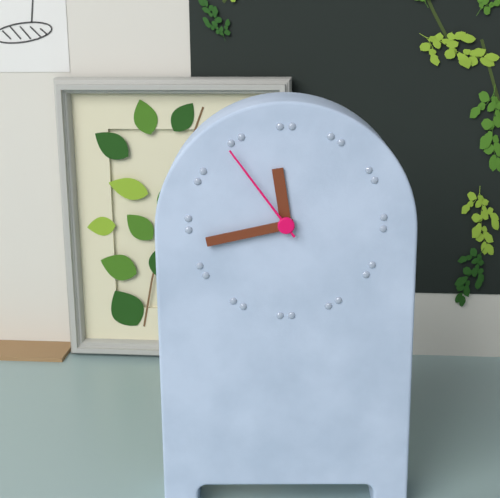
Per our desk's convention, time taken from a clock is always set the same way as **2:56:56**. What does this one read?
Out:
**11:43:54**
